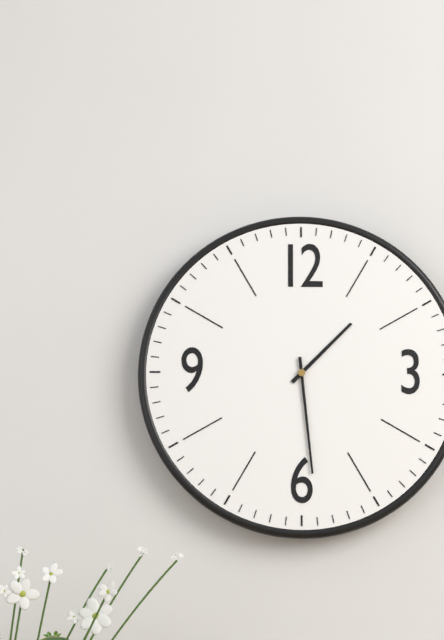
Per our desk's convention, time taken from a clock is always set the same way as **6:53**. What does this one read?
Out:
**1:29**
